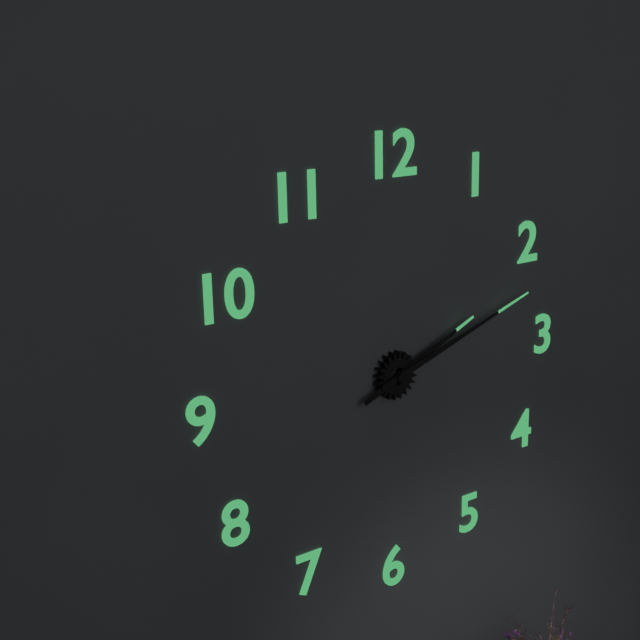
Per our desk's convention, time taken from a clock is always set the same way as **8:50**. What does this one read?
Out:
**2:12**
